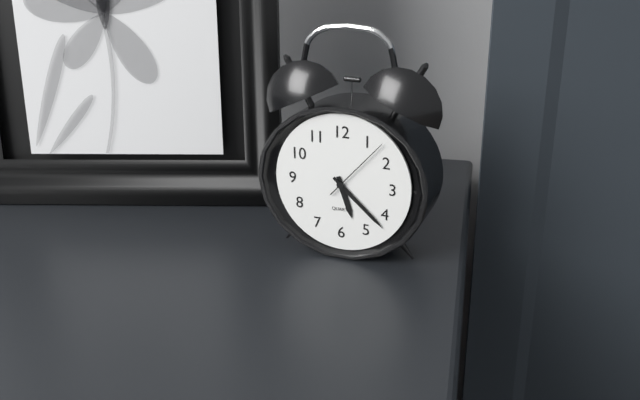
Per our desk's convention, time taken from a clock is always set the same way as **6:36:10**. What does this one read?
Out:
**5:22:07**
